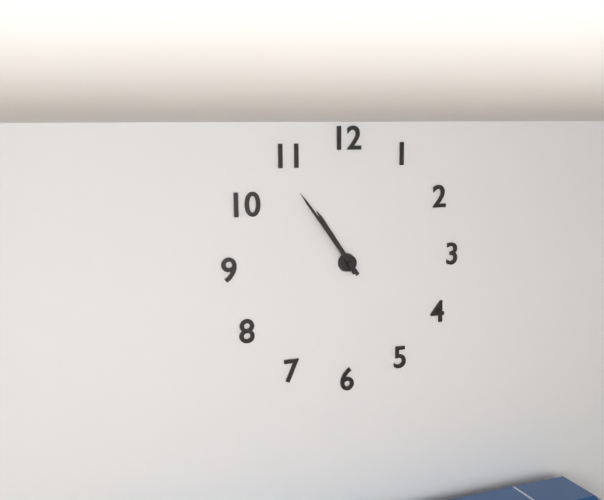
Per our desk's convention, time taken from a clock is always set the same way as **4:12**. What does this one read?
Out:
**10:54**
